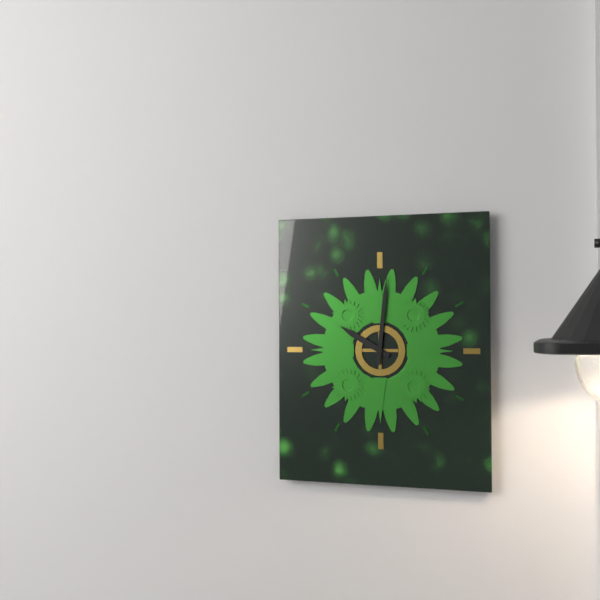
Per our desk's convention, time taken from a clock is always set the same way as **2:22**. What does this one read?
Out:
**10:01**
